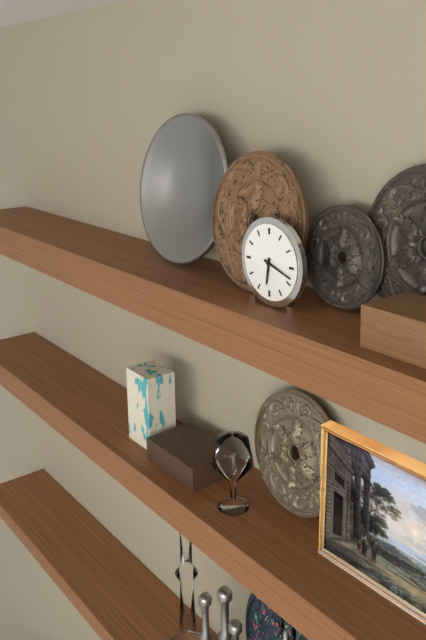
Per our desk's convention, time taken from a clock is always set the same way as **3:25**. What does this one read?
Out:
**6:18**
